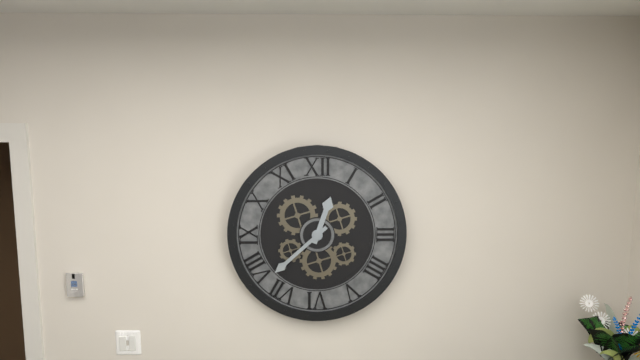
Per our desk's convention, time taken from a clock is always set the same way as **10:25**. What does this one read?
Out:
**12:38**
